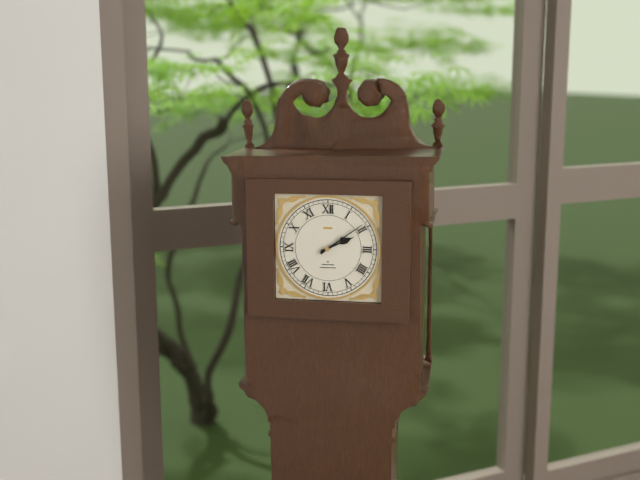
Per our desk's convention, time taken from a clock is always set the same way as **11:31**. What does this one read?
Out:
**2:09**
